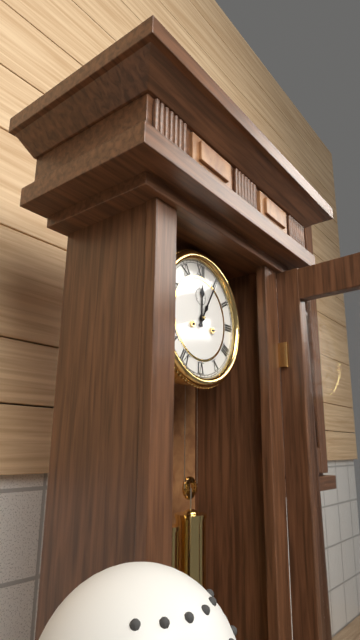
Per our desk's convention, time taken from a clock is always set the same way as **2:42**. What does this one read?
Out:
**12:05**
